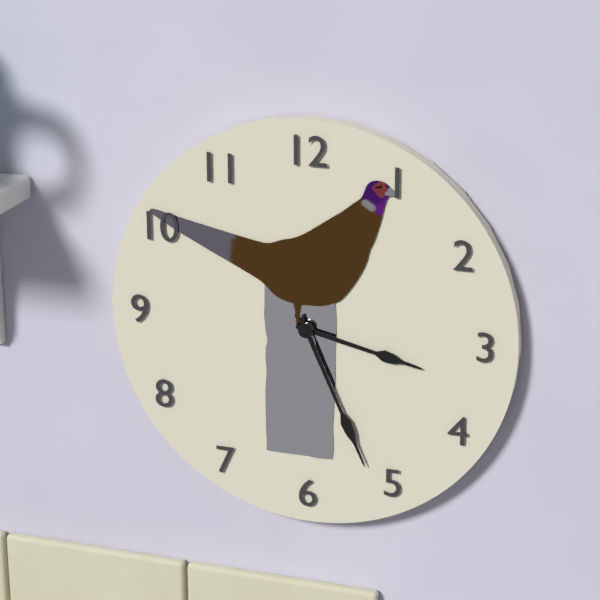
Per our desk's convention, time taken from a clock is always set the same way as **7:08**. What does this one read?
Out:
**3:26**
